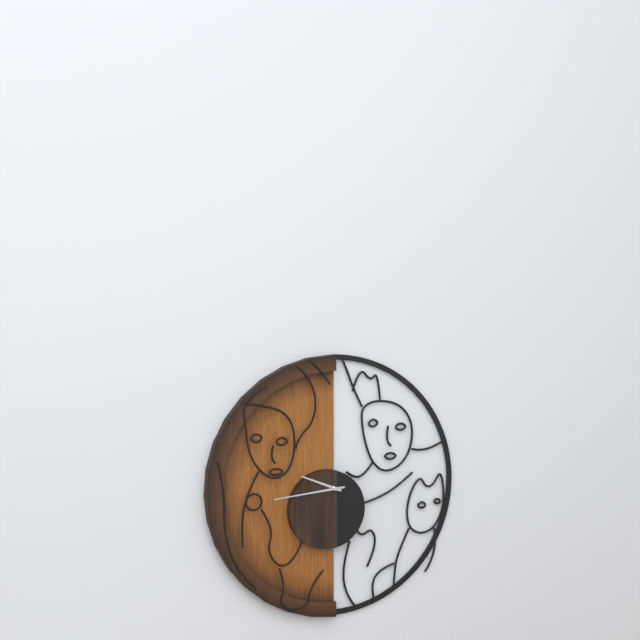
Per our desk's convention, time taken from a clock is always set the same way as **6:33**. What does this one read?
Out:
**9:44**
